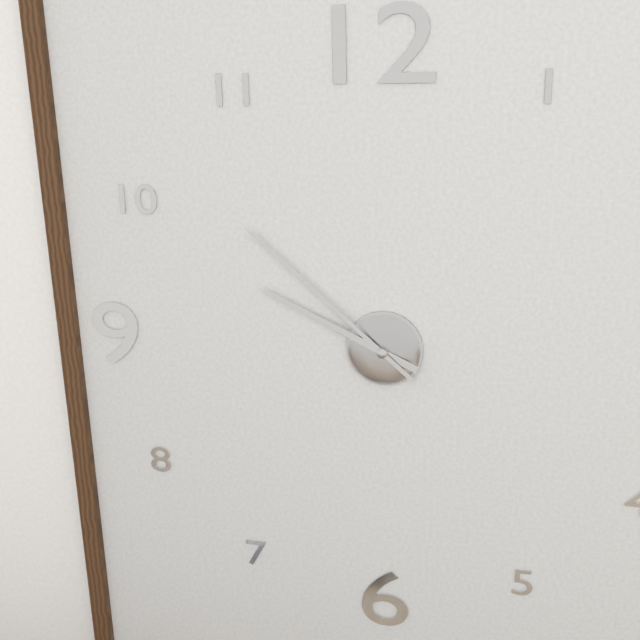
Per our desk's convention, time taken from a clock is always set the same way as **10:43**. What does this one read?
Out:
**9:52**
